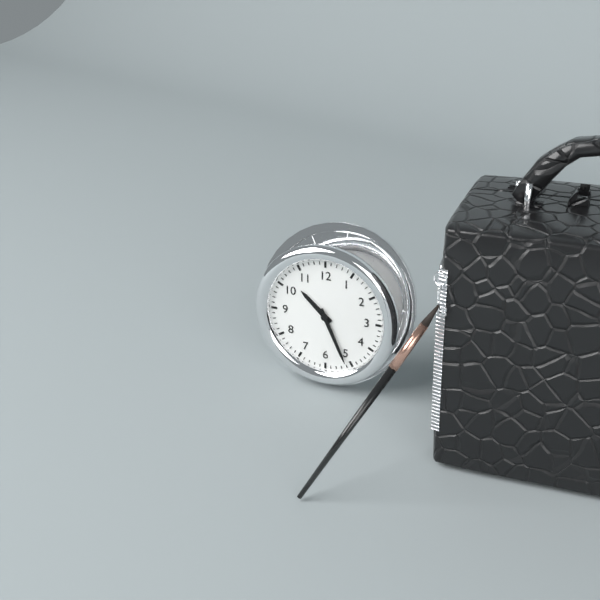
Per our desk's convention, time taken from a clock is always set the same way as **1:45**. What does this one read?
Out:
**10:26**
